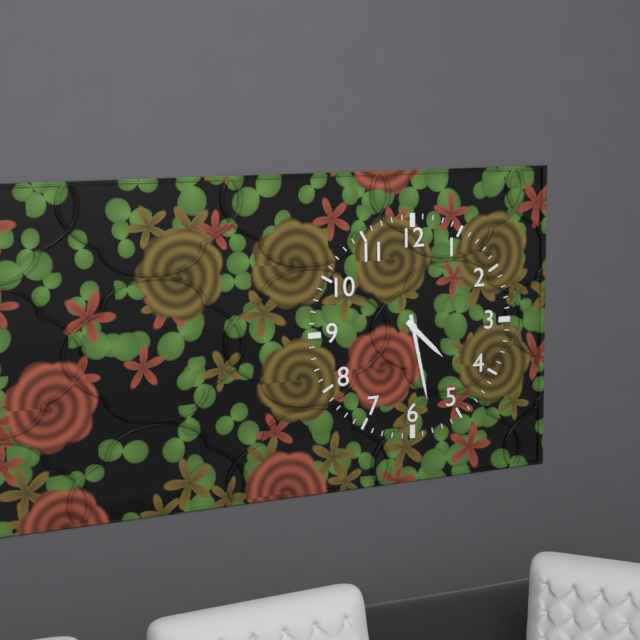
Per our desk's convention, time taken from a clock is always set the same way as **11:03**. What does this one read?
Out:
**4:28**
